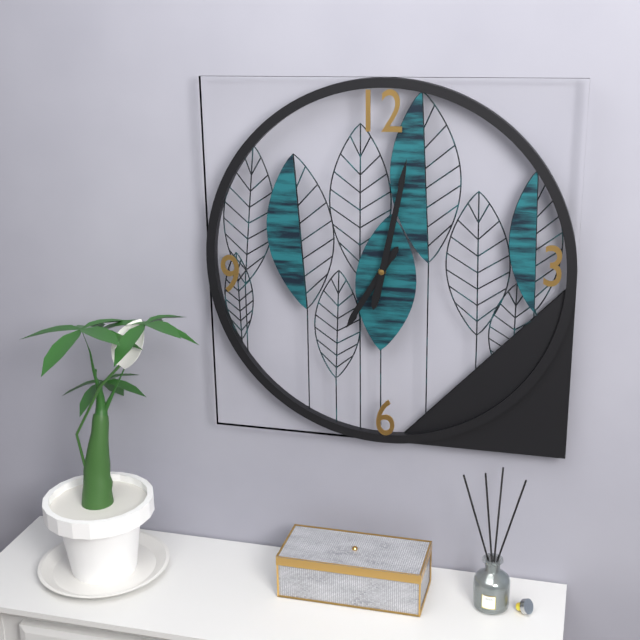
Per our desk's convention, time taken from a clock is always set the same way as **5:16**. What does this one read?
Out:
**7:02**
